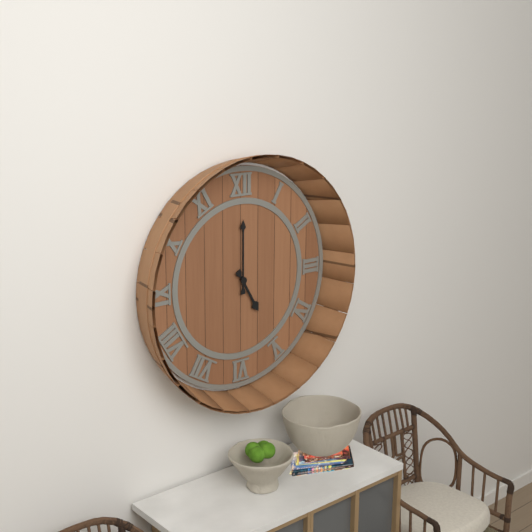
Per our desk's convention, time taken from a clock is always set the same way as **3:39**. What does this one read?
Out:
**5:00**
